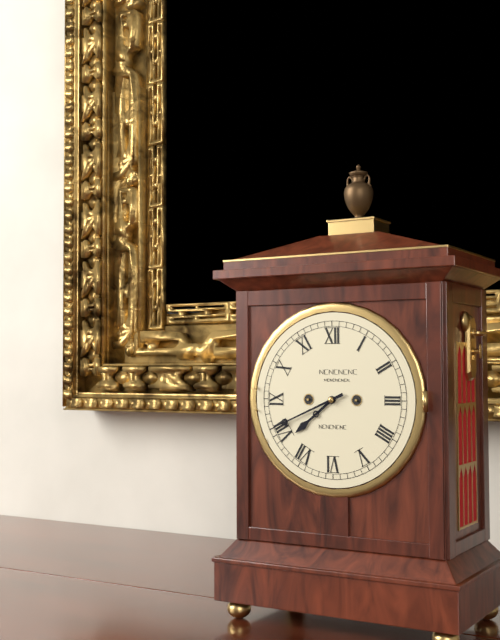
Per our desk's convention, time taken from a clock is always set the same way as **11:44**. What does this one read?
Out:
**7:41**
